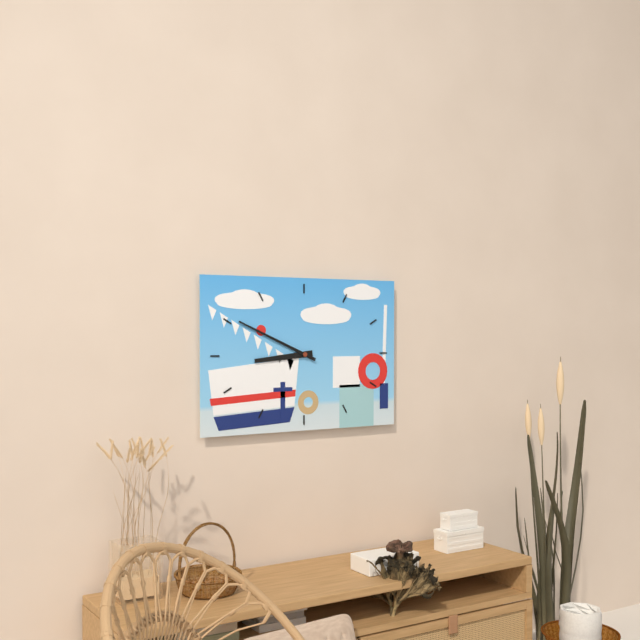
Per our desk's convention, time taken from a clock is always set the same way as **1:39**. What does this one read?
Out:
**8:49**
